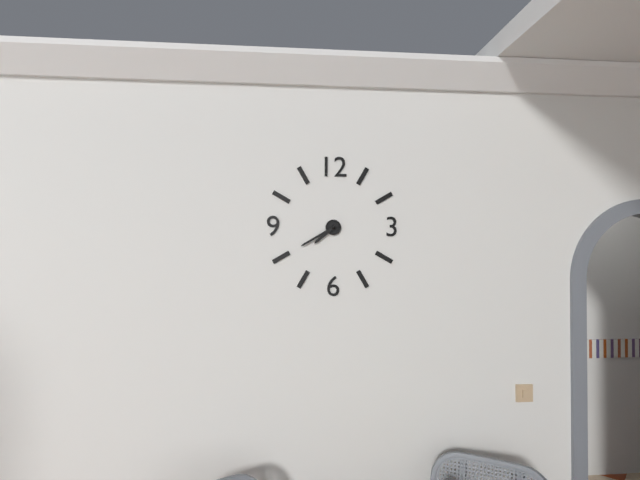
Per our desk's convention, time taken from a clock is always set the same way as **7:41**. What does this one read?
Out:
**7:40**
